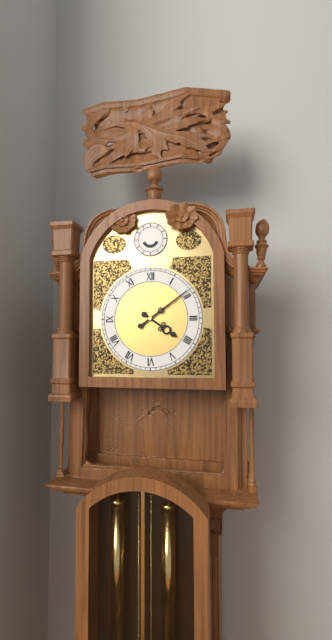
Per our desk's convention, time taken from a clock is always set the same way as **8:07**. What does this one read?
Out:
**4:09**
